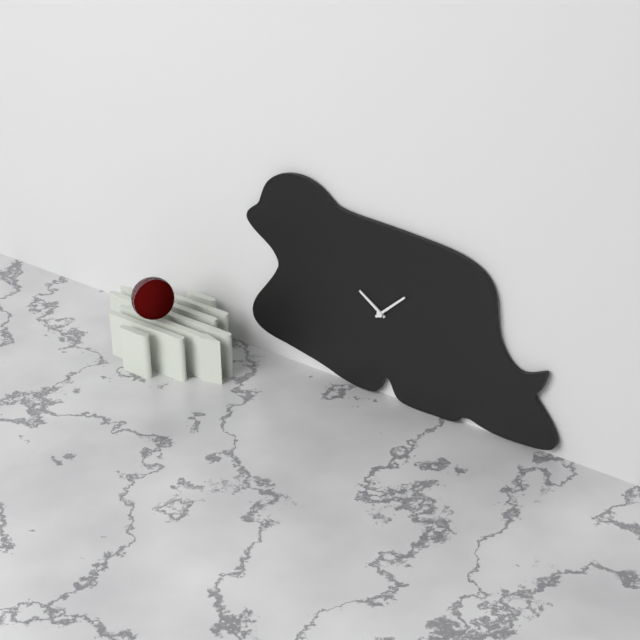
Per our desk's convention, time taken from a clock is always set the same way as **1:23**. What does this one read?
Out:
**10:08**
